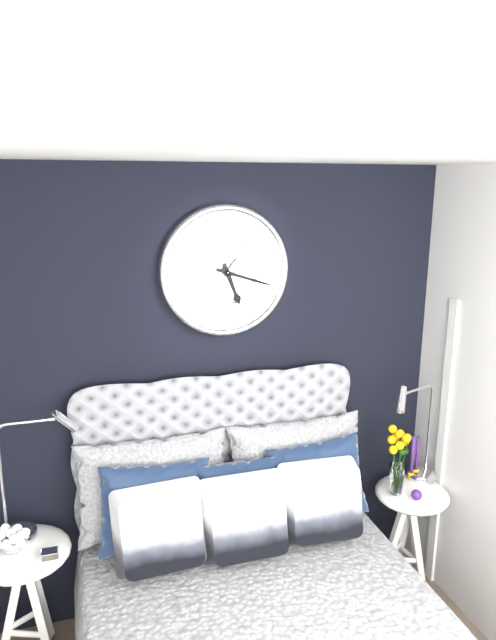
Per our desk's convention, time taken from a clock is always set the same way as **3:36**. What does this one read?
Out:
**5:18**
